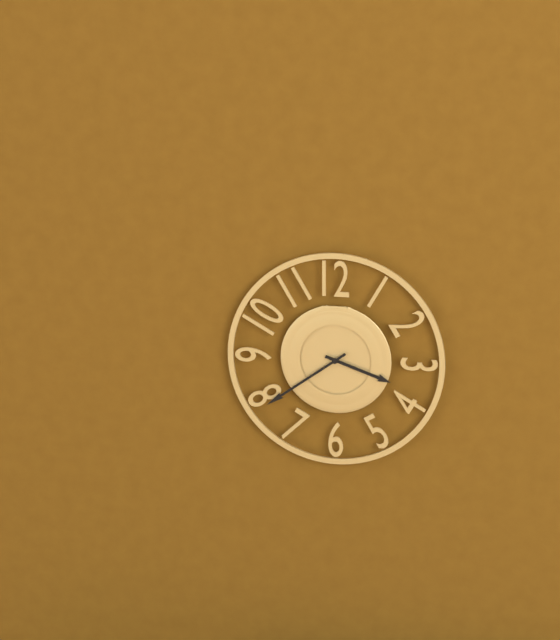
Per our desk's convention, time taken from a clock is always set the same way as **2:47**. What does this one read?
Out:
**3:39**
